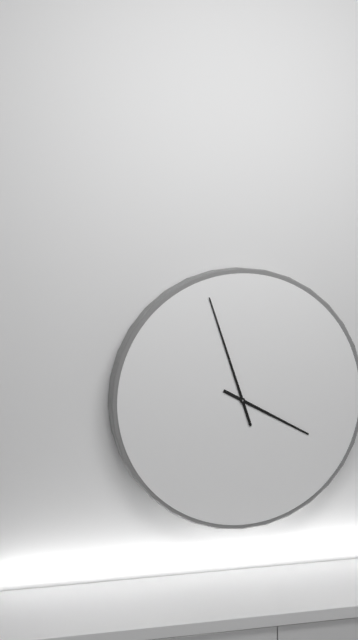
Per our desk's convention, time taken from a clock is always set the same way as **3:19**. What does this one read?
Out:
**3:57**
